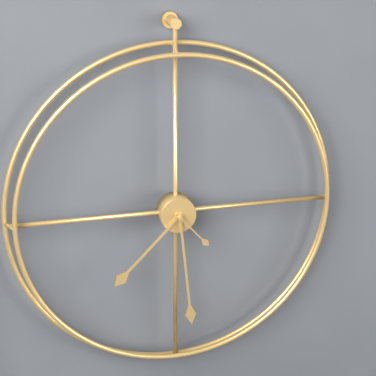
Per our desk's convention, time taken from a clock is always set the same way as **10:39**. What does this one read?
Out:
**7:29**
